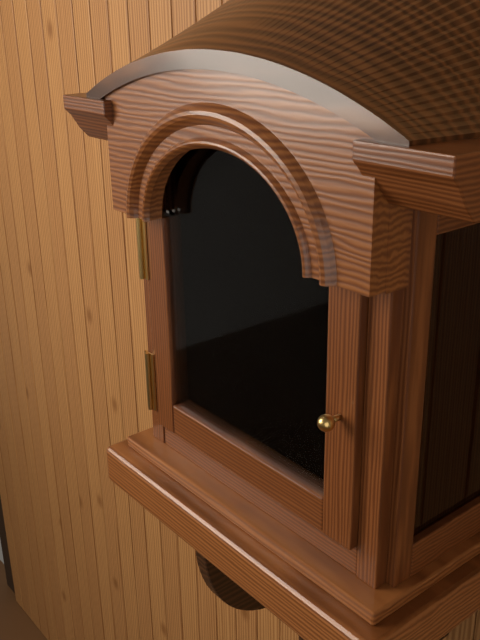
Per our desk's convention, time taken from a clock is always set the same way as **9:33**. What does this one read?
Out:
**3:27**
